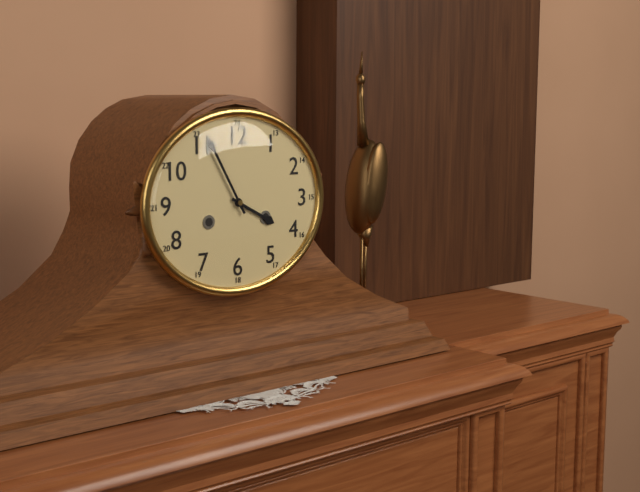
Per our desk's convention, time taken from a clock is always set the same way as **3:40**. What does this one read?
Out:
**3:55**
